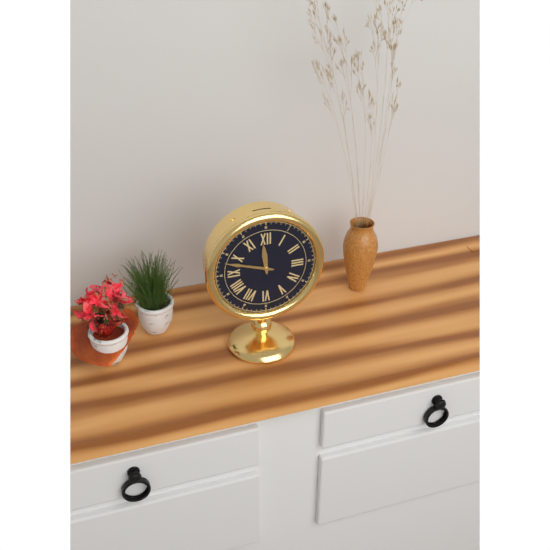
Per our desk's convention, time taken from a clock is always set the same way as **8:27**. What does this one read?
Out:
**11:48**
